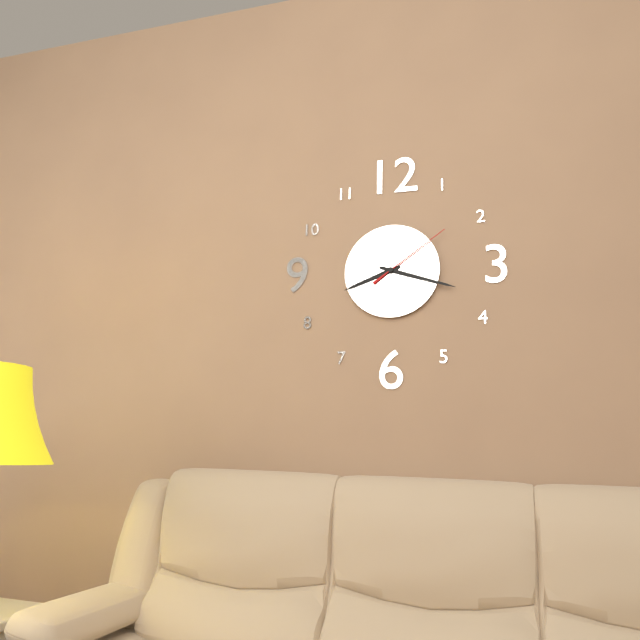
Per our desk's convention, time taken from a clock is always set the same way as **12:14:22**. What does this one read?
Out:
**8:18:09**
